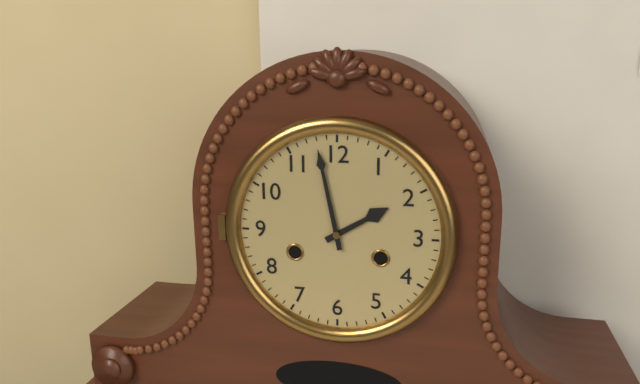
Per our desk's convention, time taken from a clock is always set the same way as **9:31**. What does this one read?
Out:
**1:58**
